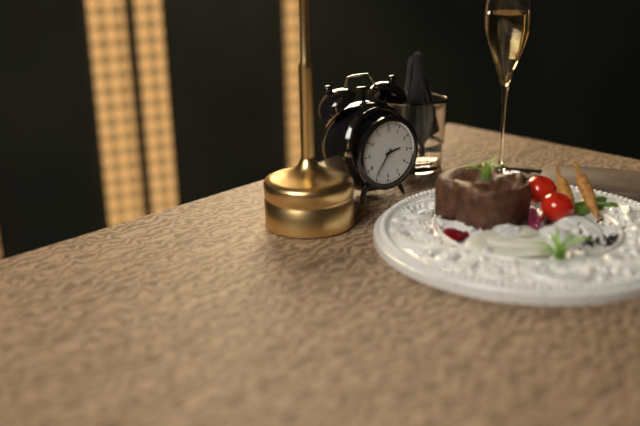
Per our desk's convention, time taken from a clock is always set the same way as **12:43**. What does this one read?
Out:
**2:36**
